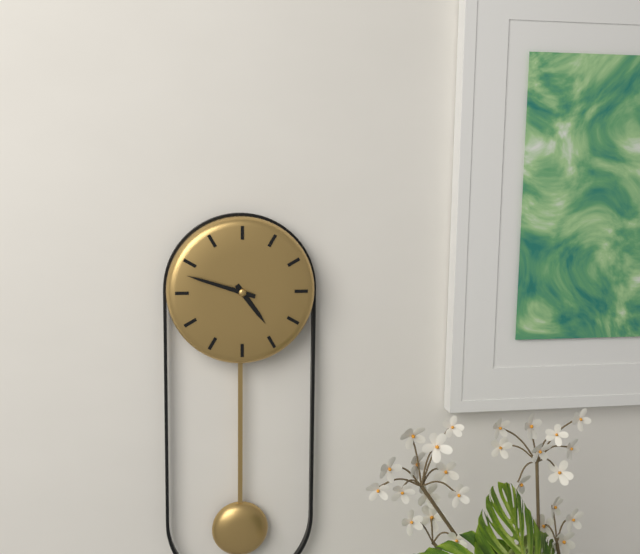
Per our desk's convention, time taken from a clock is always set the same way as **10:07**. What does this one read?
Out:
**4:48**
